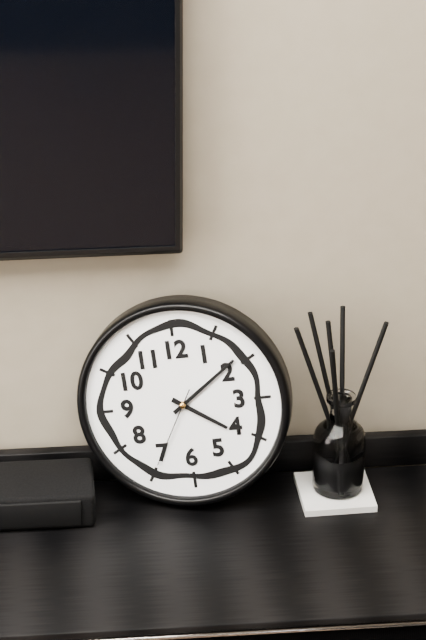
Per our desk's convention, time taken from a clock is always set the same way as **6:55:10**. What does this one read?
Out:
**4:09:35**
